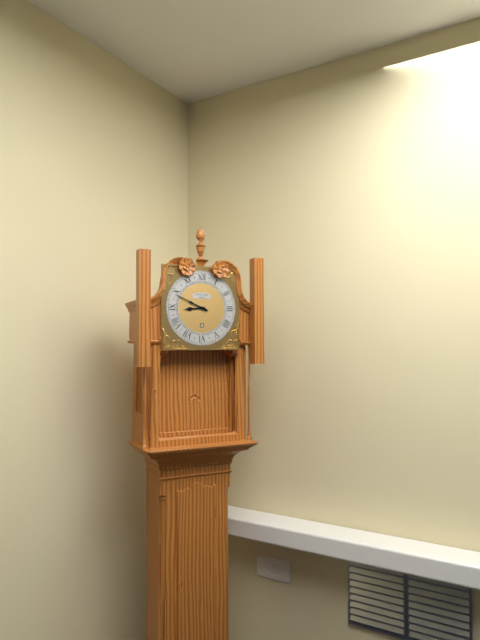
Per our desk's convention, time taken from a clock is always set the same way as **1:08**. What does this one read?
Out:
**8:49**
